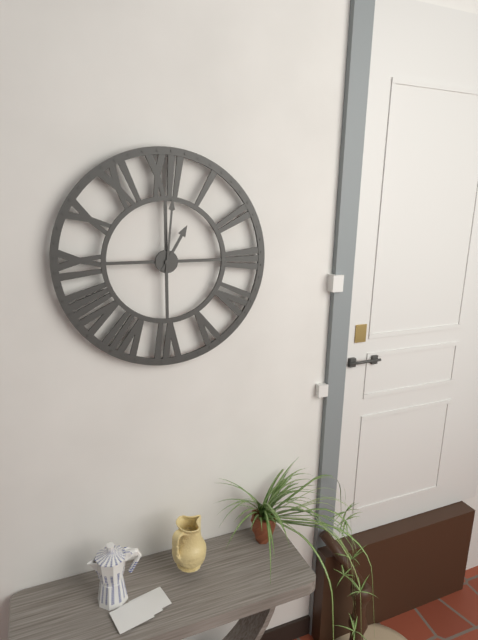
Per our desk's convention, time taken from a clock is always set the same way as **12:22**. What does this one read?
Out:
**1:01**
